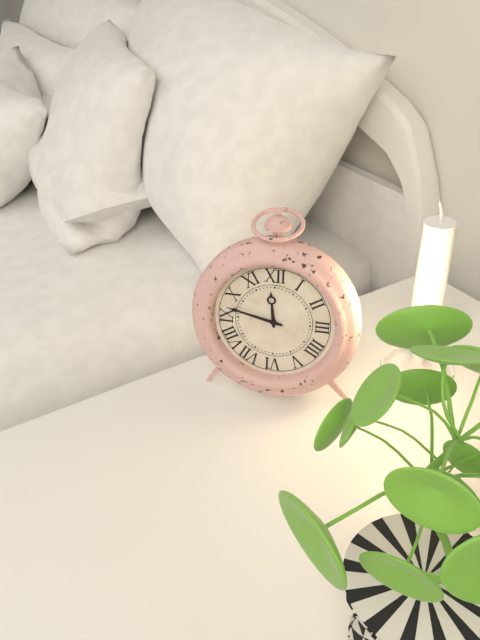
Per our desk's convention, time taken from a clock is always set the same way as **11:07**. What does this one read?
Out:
**11:47**
